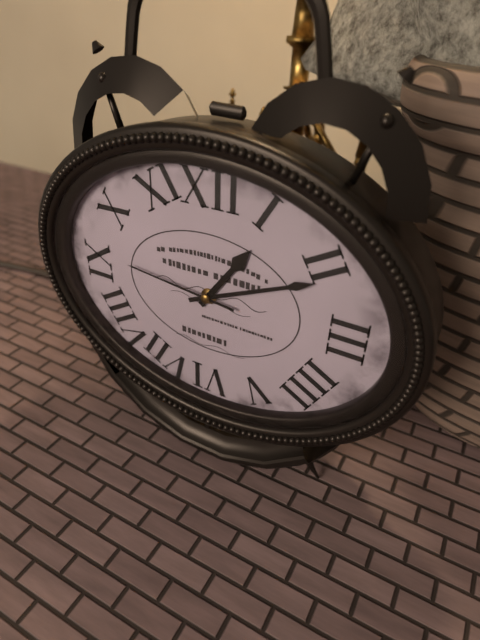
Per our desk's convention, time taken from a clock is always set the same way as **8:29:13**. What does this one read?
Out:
**1:11:46**
